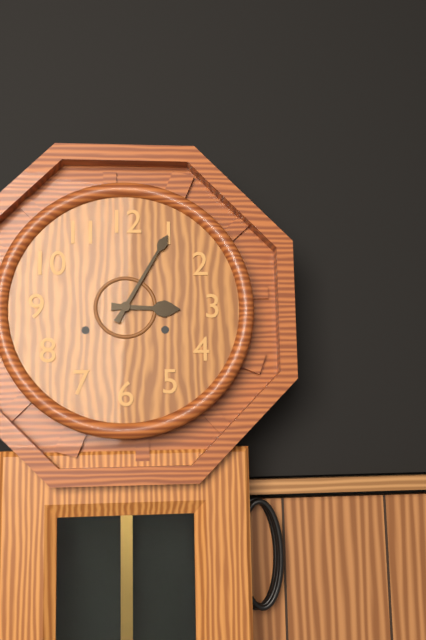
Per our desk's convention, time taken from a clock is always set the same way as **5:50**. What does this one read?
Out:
**3:05**
